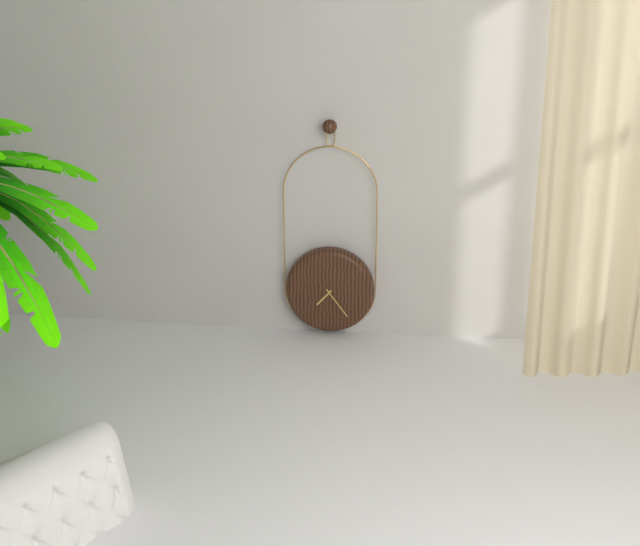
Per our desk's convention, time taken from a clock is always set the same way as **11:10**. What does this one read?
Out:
**7:24**
